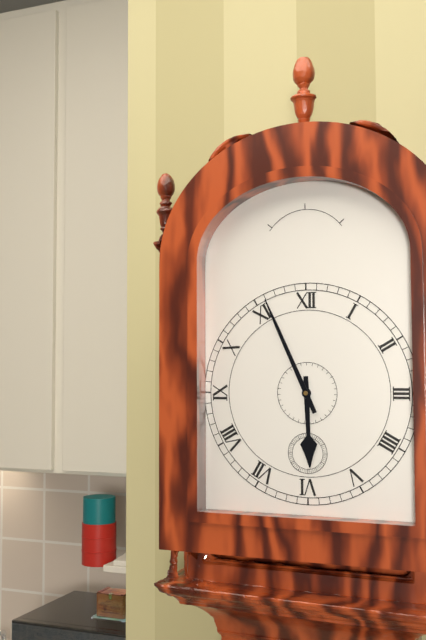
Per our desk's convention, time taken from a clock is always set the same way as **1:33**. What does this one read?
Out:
**5:56**
